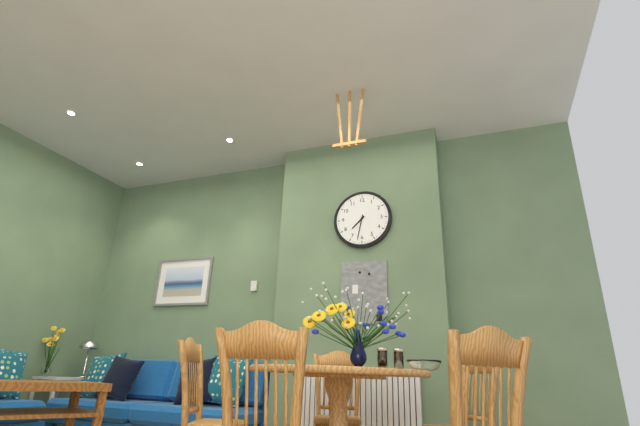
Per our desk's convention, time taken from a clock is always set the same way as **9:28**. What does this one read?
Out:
**7:32**
